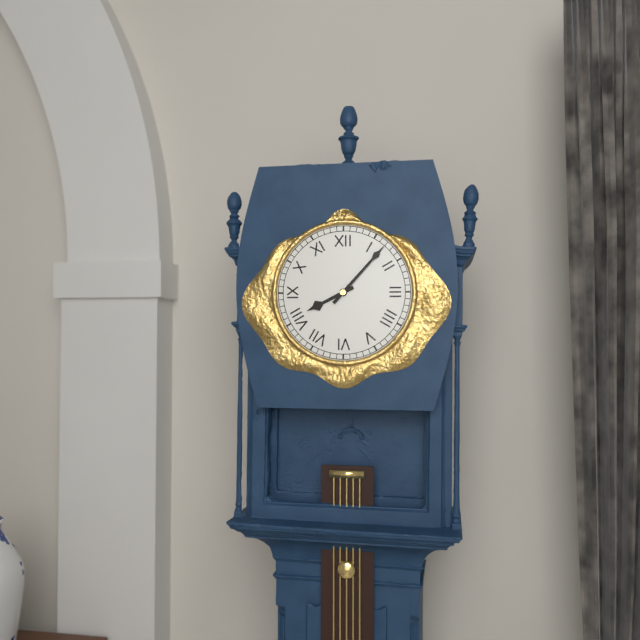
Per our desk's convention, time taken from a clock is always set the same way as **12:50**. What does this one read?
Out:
**8:07**
